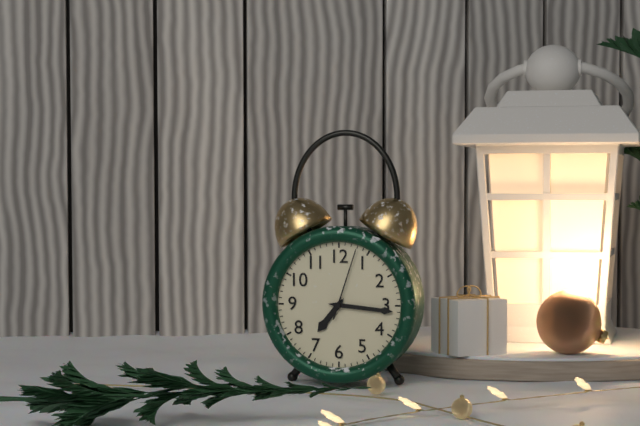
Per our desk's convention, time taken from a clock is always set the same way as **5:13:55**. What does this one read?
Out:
**7:16:03**
